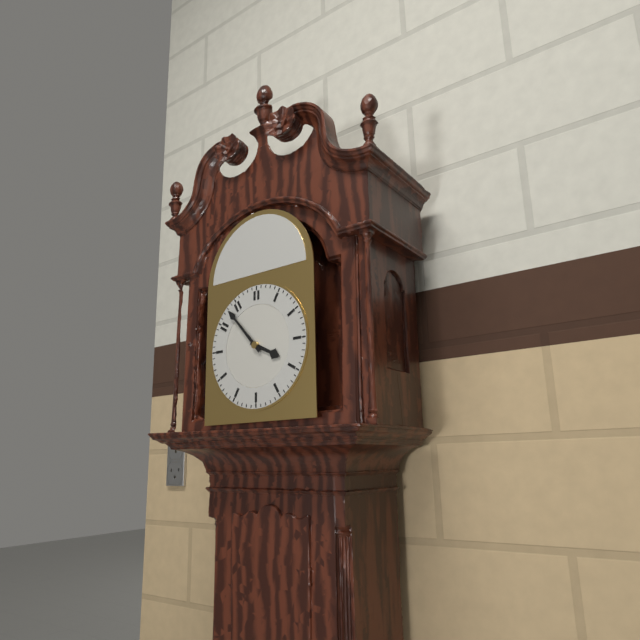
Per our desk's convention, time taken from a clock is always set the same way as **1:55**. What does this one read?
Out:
**3:53**
